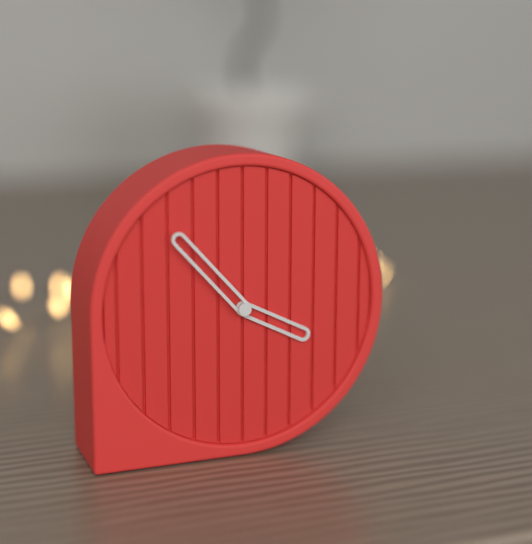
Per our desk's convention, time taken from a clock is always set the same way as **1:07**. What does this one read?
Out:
**3:53**
